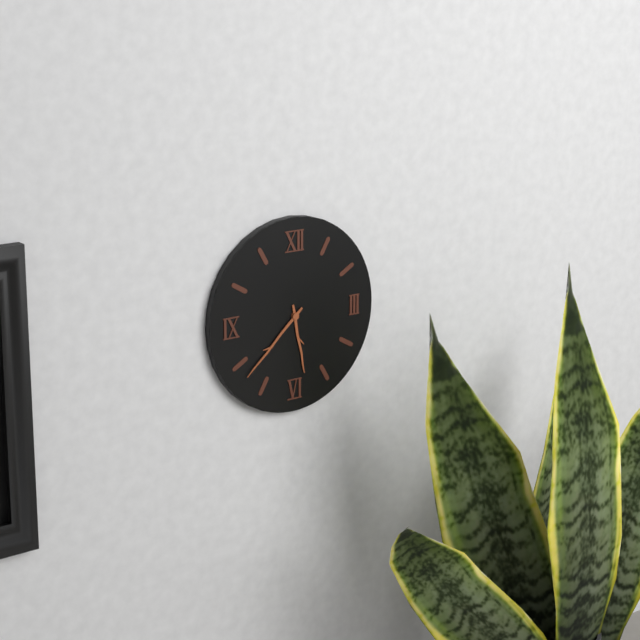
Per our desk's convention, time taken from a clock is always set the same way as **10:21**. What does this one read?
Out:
**5:38**
